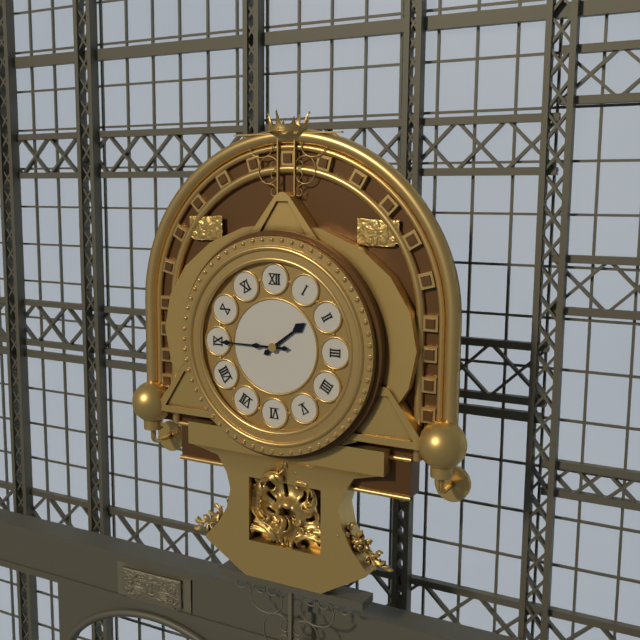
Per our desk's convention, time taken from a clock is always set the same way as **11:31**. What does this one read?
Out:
**1:45**
